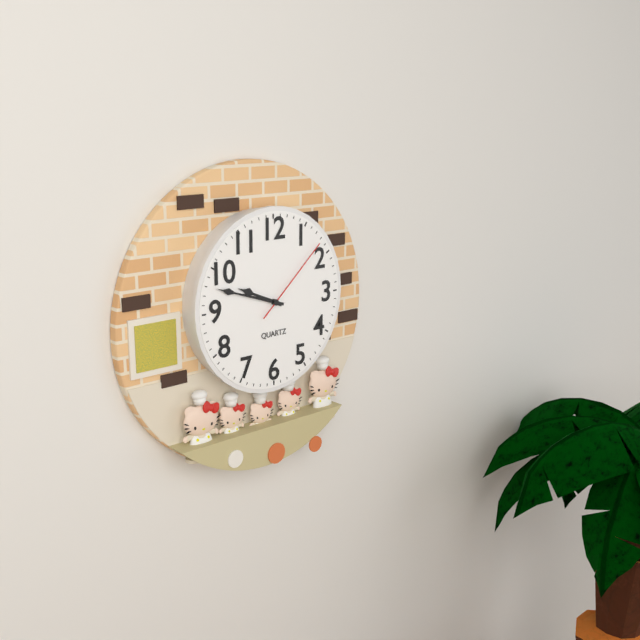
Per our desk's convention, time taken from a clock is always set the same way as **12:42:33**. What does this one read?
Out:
**9:48:08**
